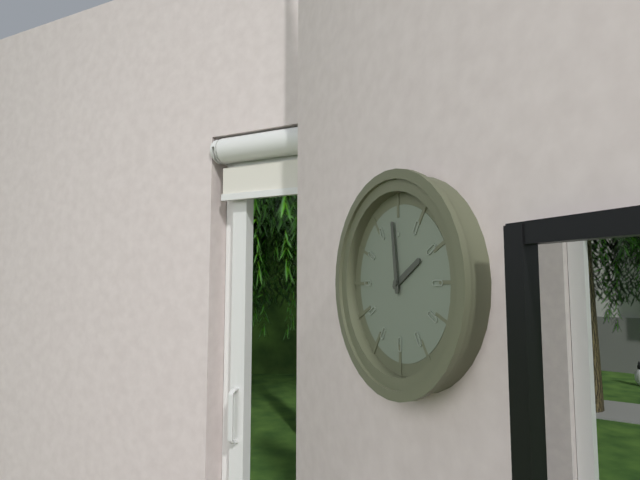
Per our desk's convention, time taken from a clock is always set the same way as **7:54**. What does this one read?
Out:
**1:59**
